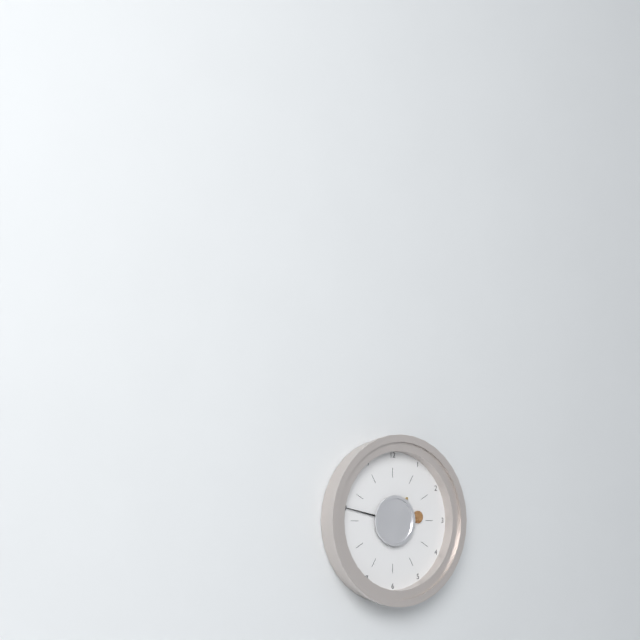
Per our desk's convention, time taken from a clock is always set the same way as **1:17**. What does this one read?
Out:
**2:47**
